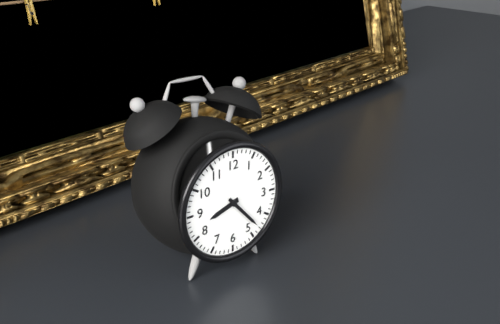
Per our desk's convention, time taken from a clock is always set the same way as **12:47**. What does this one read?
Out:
**8:23**
